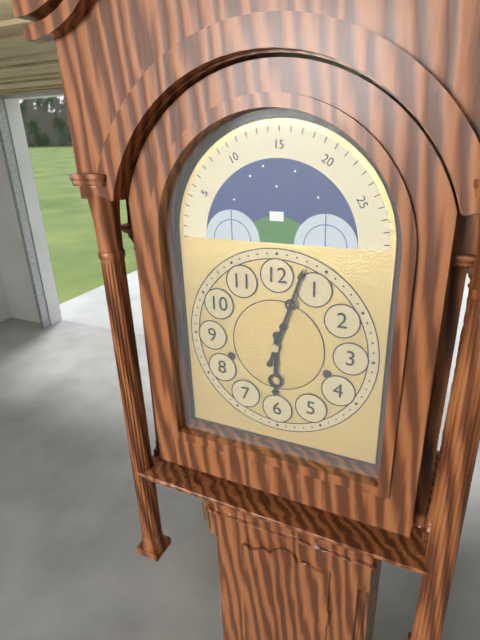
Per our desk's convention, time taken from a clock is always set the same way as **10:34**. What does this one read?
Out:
**6:03**
